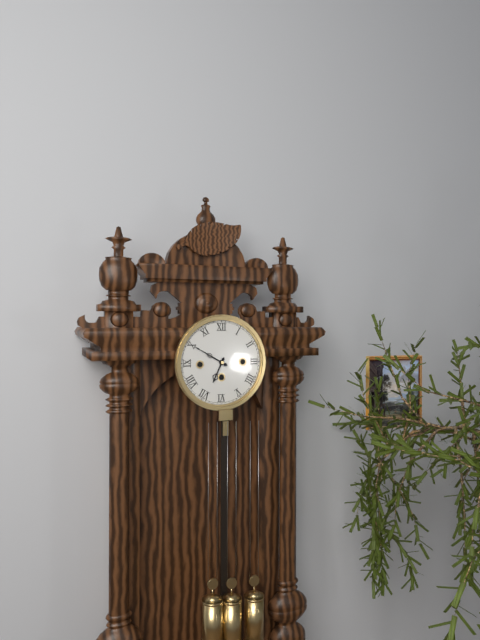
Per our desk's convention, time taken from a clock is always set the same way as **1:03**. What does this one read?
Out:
**6:50**
